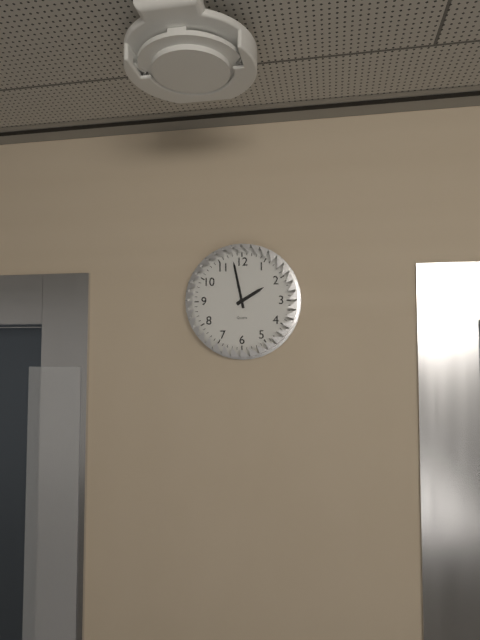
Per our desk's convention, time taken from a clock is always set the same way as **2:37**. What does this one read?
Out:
**1:58**
